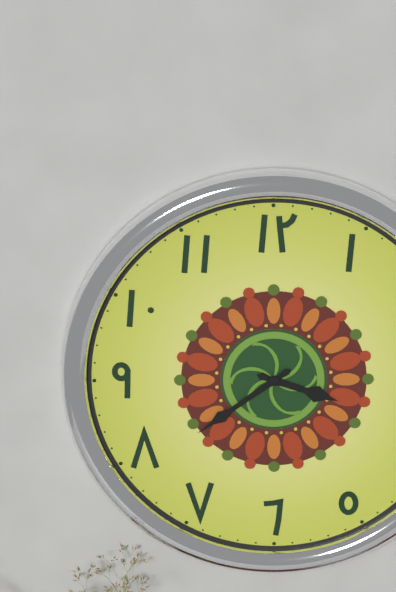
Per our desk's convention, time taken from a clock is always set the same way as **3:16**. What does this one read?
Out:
**3:39**
